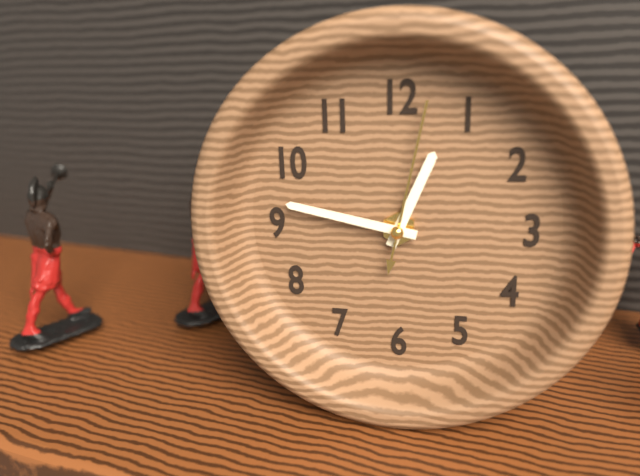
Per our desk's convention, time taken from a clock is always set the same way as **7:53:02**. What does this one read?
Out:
**12:47:02**
